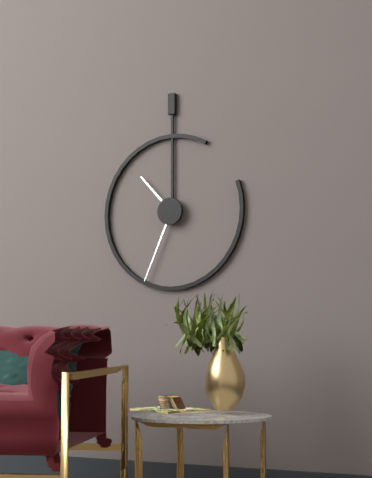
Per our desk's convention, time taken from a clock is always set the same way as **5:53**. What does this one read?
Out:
**10:34**
